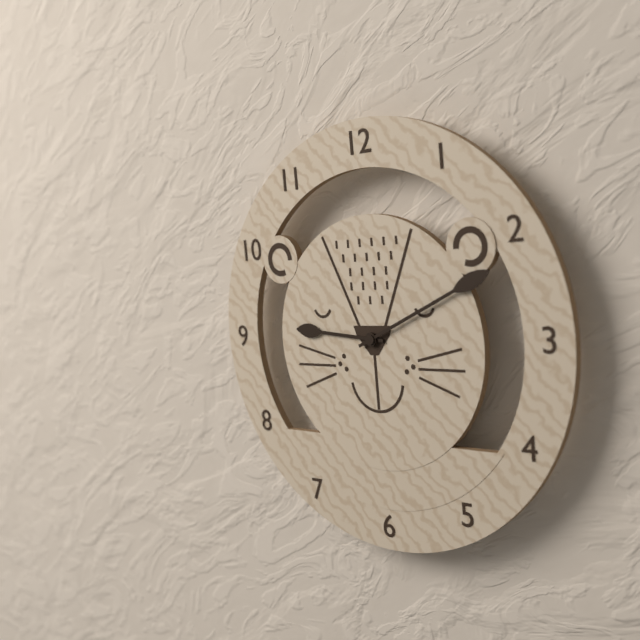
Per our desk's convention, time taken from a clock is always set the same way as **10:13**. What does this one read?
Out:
**9:11**
